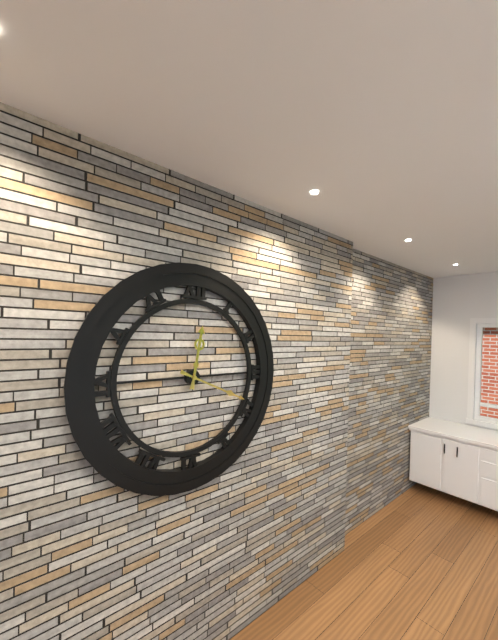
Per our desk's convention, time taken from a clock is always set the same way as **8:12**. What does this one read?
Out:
**12:19**
